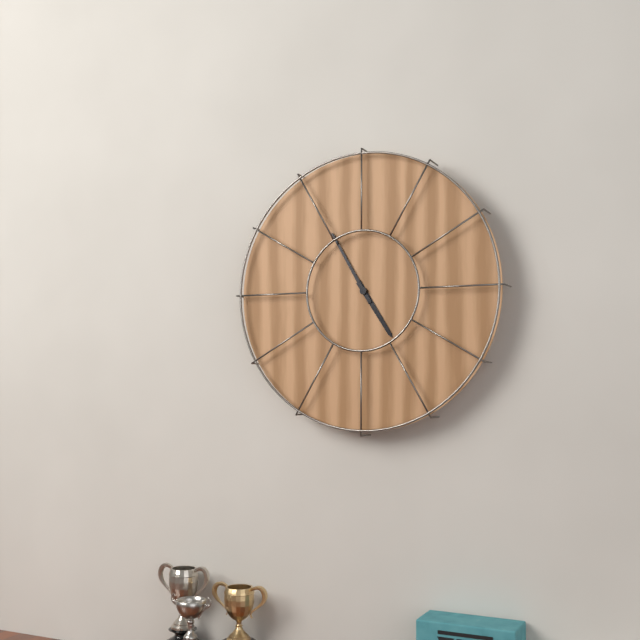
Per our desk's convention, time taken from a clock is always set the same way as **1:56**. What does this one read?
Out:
**4:55**
